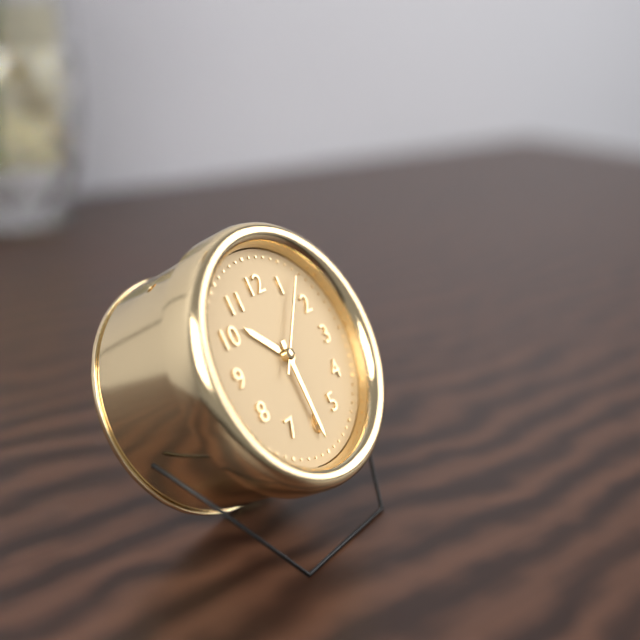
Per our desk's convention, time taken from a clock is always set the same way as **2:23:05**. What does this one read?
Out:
**10:30:07**
